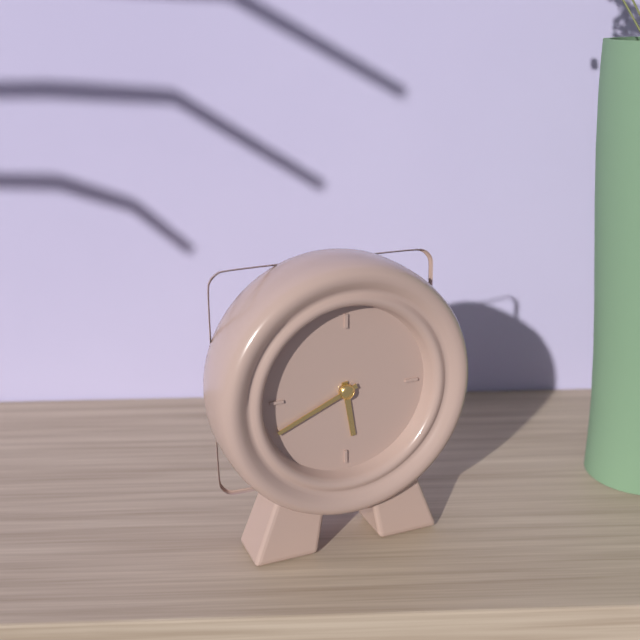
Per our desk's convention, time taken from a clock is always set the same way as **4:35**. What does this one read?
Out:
**5:41**
